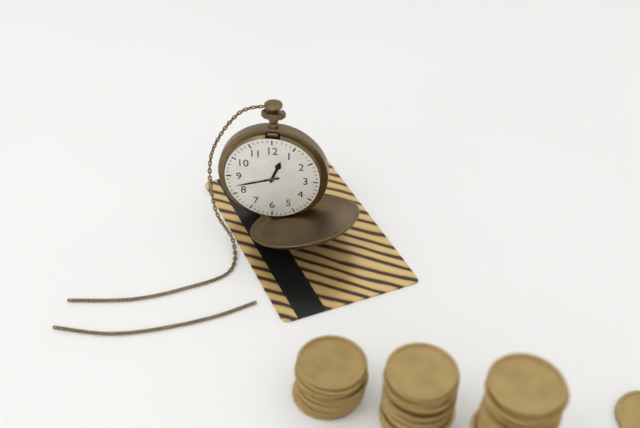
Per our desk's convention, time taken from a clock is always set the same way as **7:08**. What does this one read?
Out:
**12:42**
